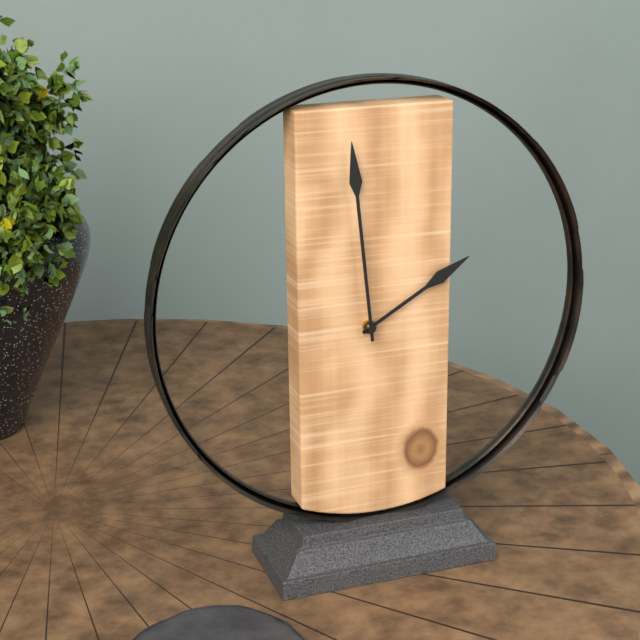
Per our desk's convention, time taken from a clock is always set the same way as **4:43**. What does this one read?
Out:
**1:59**
